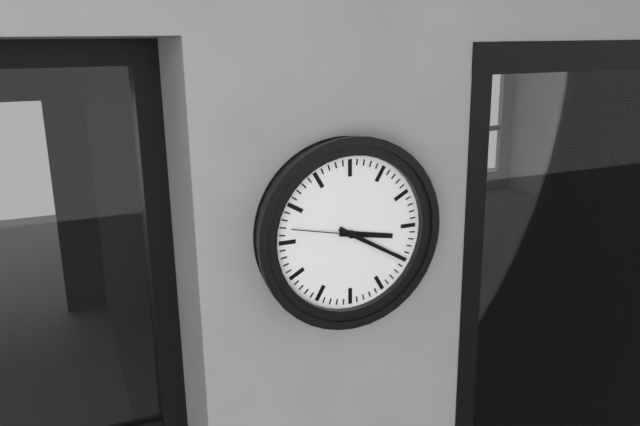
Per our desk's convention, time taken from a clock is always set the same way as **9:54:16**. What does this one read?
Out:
**3:20:47**
